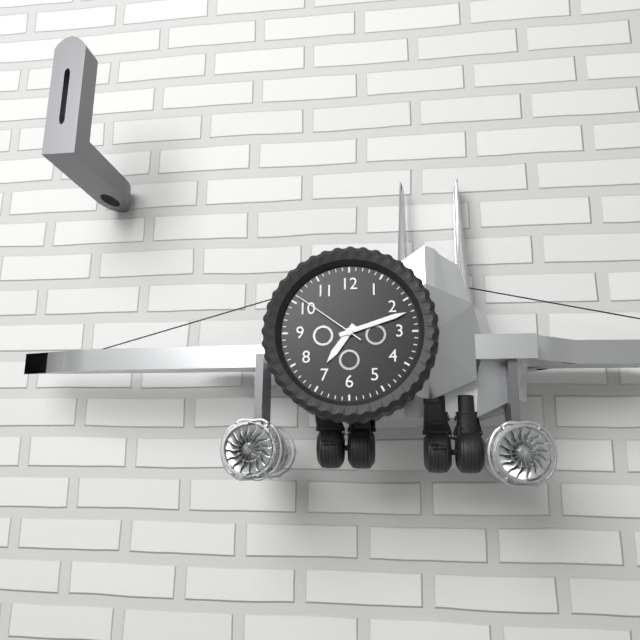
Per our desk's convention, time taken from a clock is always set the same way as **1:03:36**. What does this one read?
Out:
**7:12:51**
